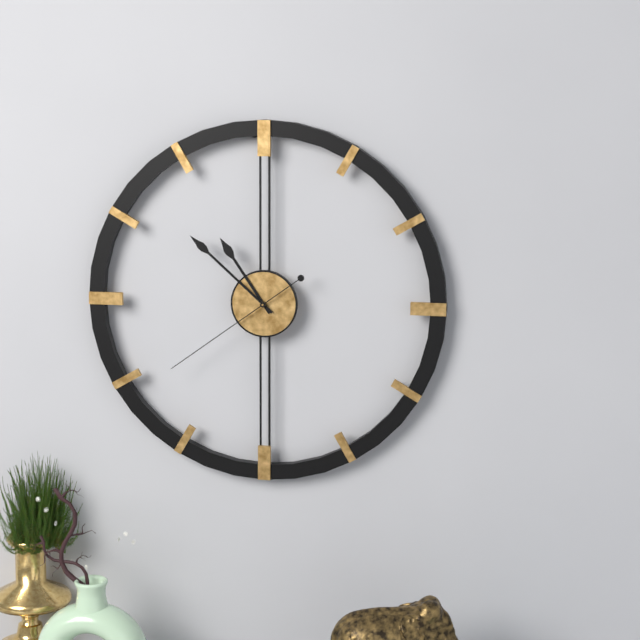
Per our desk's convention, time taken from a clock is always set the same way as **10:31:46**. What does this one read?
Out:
**10:52:39**
